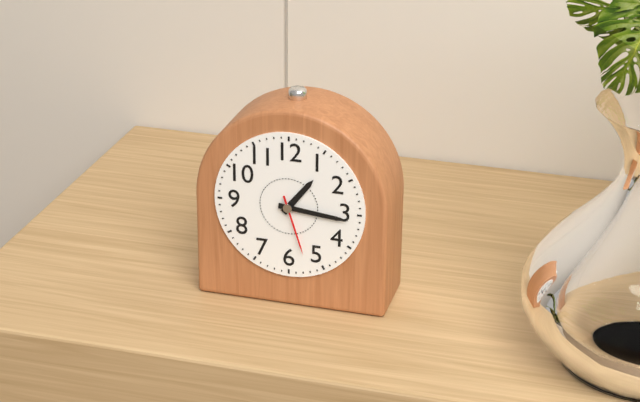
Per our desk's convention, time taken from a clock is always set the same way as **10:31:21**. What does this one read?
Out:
**1:16:27**
